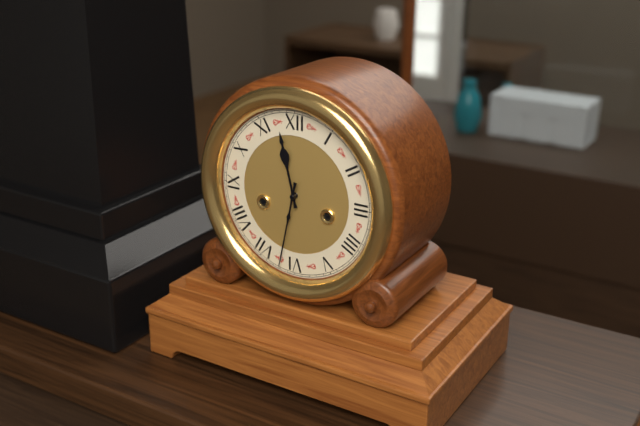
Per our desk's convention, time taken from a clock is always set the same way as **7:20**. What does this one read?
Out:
**11:32**
